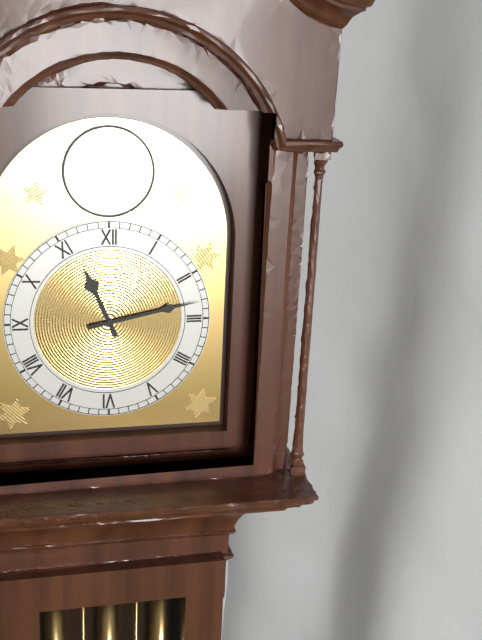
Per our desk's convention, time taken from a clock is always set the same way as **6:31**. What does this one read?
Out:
**11:13**
